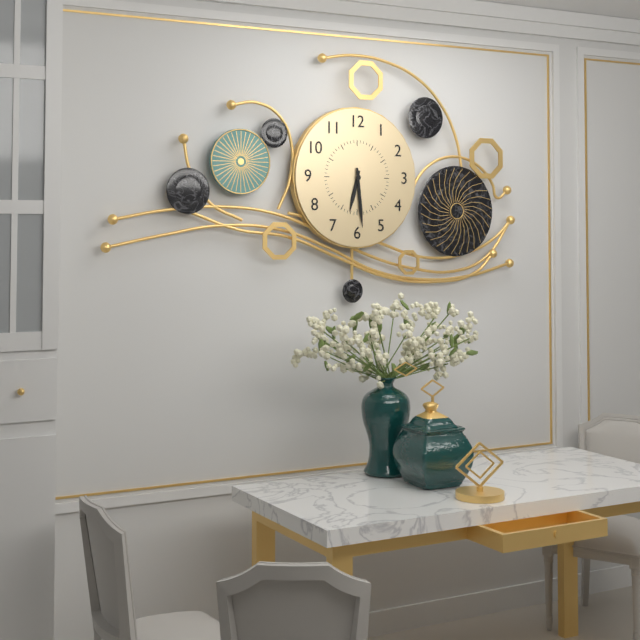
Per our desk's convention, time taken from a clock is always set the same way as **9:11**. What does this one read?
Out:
**6:29**
